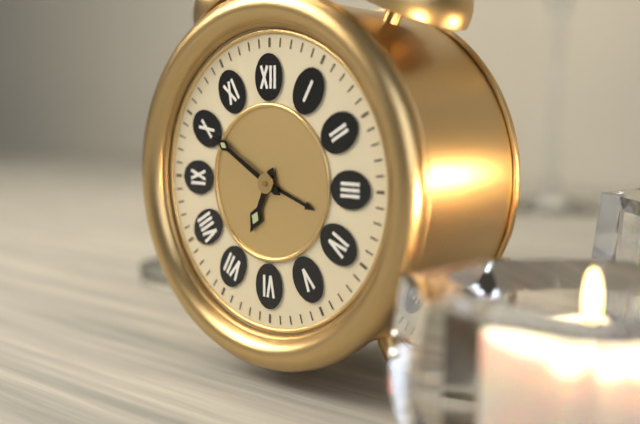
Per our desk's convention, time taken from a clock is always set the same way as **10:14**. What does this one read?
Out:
**6:50**
